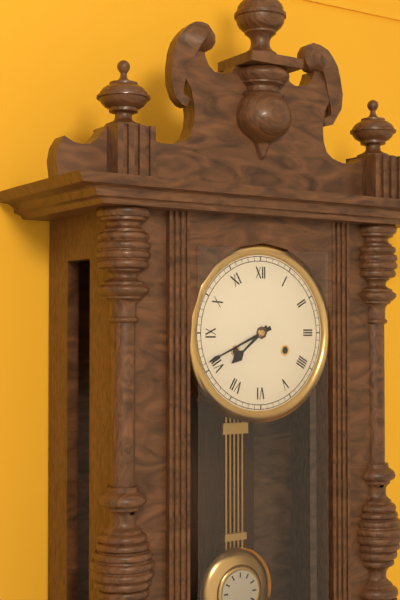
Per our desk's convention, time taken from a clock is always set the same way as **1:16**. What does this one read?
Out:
**7:41**
